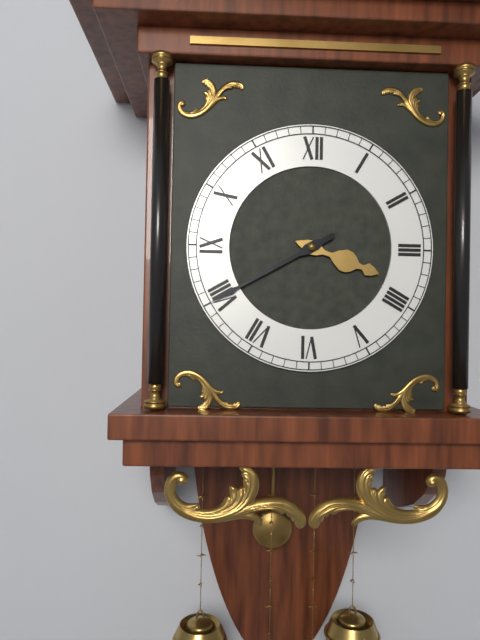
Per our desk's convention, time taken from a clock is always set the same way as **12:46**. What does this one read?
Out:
**3:40**
